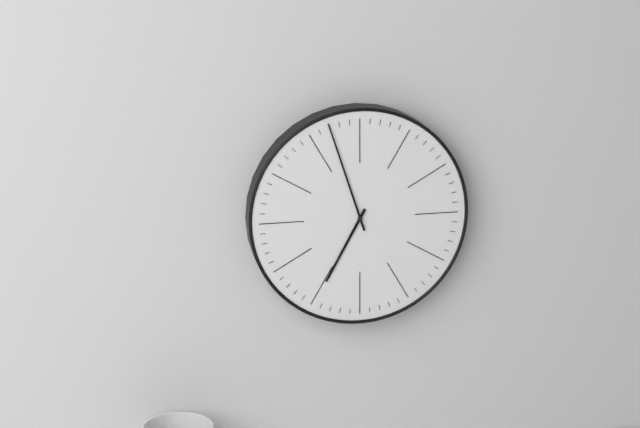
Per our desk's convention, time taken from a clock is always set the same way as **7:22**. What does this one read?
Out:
**6:57**
